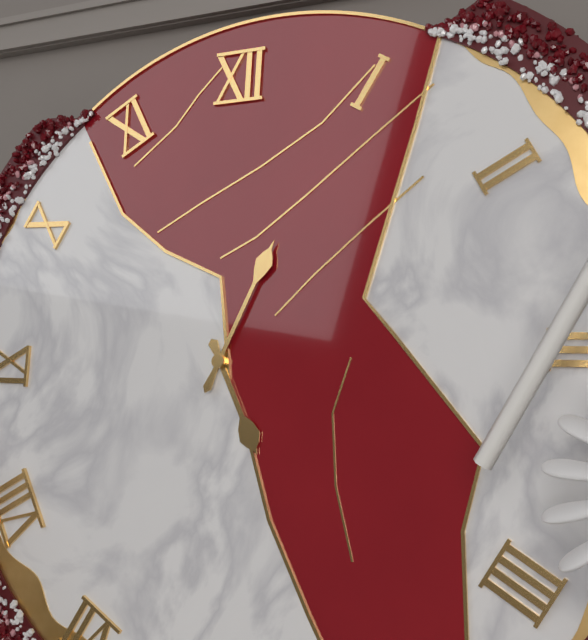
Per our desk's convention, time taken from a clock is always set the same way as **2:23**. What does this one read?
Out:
**5:04**
